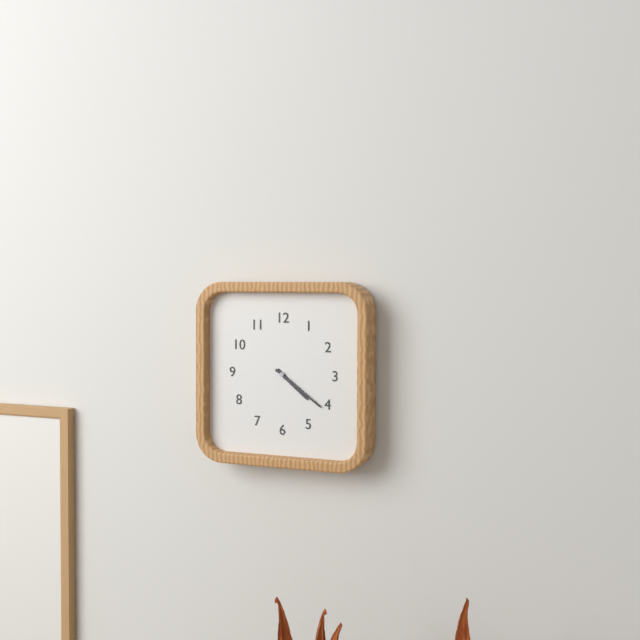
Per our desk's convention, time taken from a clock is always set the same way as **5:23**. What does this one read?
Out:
**4:21**
